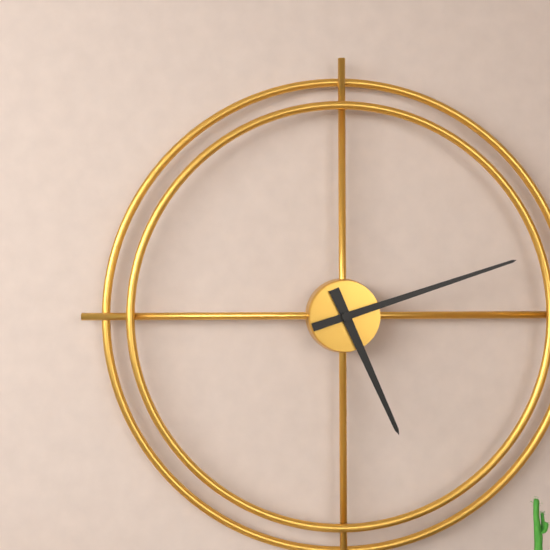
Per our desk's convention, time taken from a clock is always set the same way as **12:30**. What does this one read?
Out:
**5:12**
